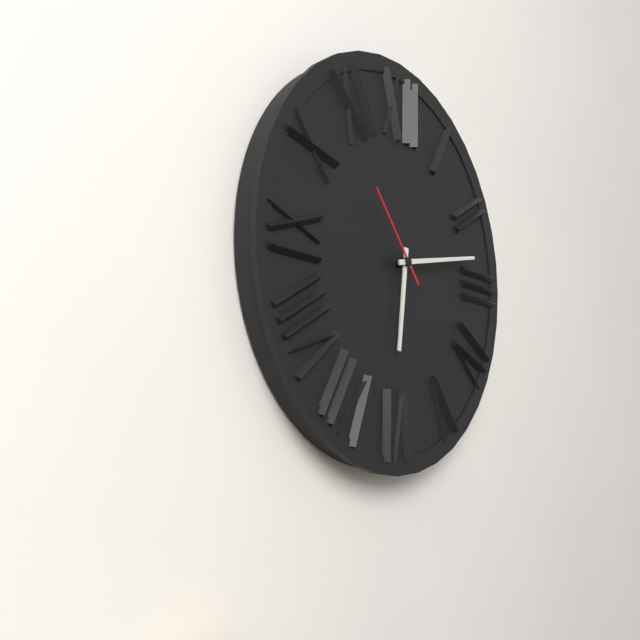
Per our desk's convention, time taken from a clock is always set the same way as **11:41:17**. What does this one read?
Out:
**6:13:53**
